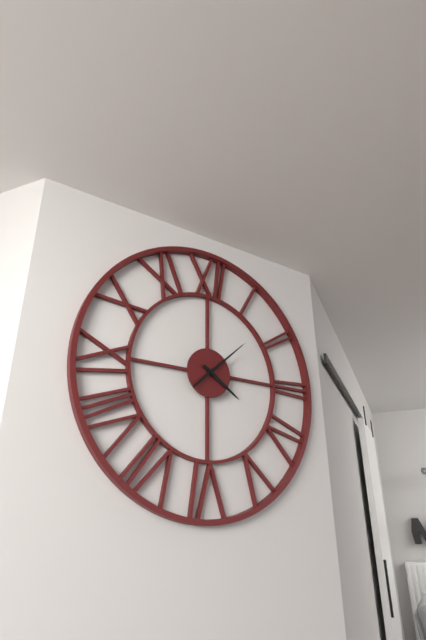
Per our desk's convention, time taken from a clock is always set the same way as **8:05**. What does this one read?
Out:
**4:08**
